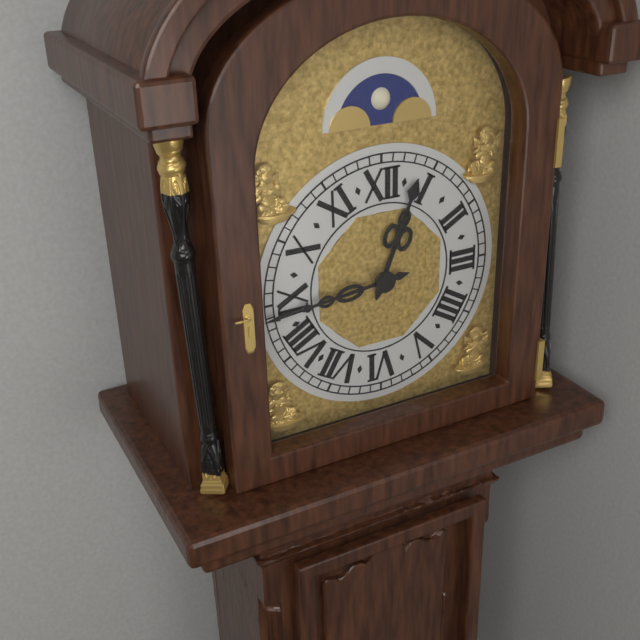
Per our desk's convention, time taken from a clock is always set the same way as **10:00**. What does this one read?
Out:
**12:44**
